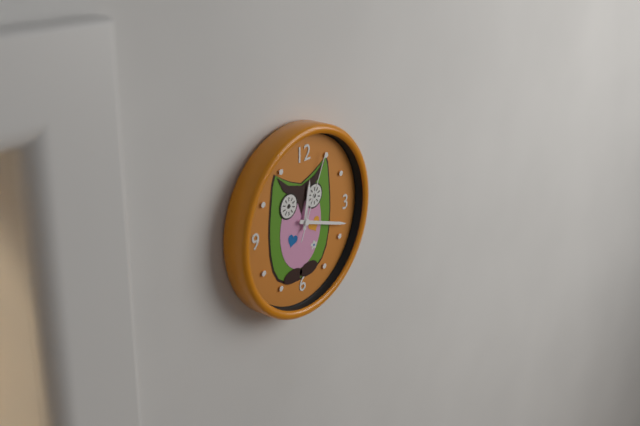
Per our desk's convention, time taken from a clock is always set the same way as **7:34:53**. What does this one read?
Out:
**12:18:04**
